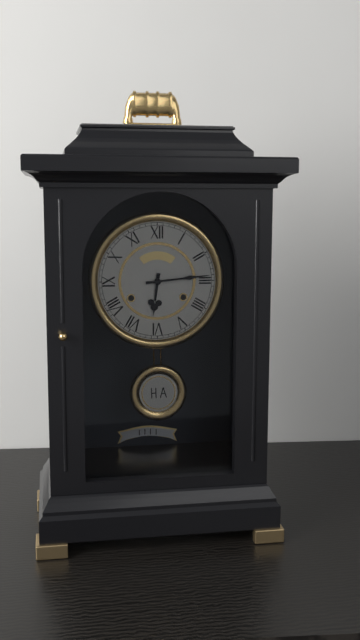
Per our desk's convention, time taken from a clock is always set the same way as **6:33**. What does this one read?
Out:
**6:14**
